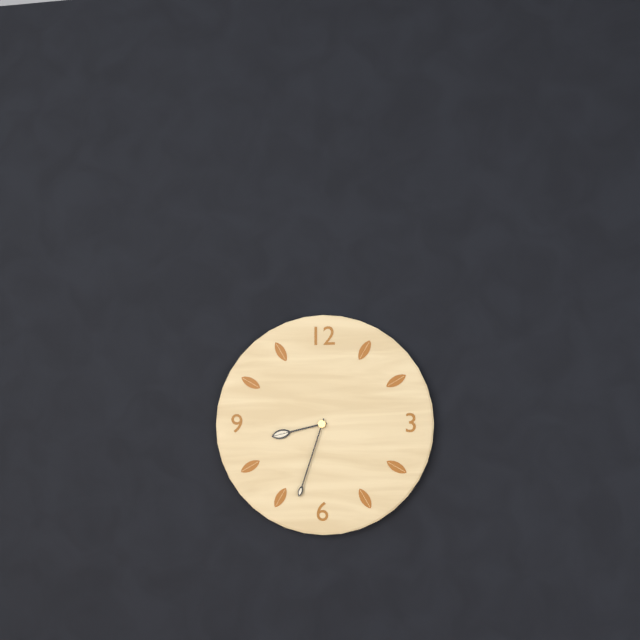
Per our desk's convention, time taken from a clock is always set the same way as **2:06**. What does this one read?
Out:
**8:33**
